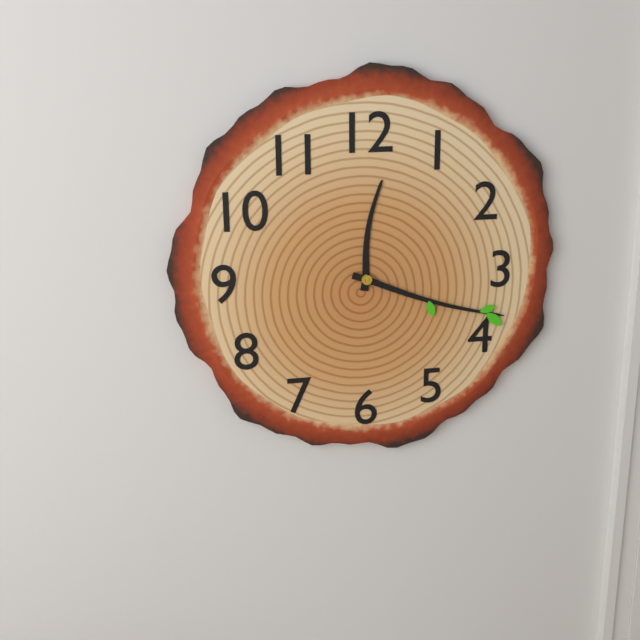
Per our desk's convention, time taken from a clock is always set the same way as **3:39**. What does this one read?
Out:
**12:18**
